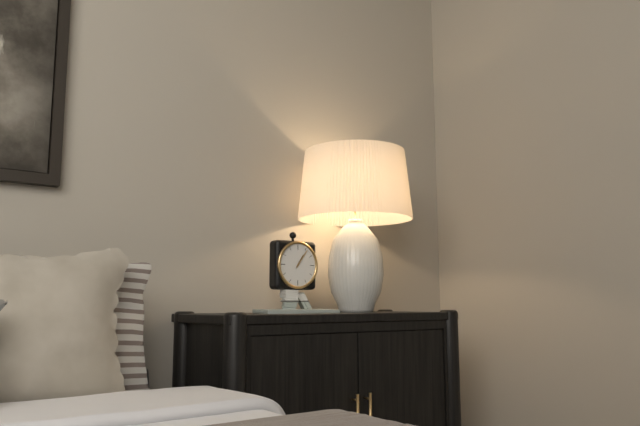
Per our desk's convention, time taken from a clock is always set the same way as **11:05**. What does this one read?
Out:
**1:06**
